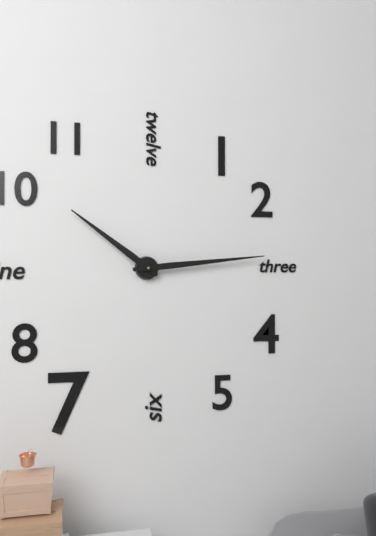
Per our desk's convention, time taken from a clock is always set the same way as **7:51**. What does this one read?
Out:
**10:14**
